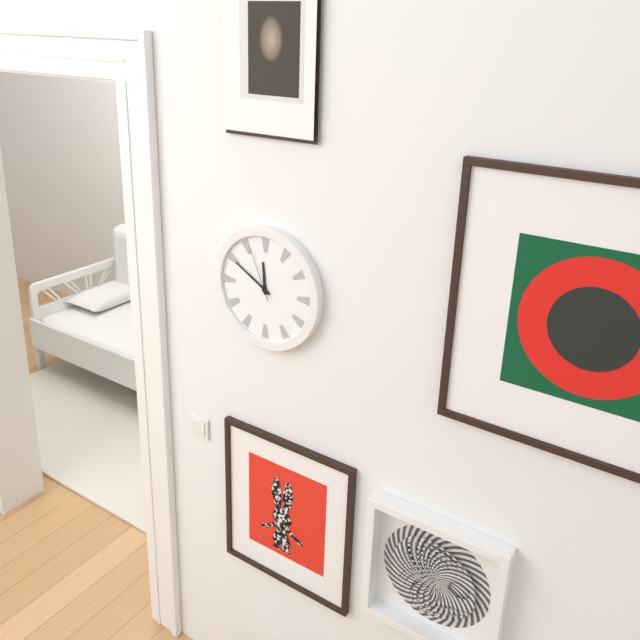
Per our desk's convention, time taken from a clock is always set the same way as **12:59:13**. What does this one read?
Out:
**11:50:56**
